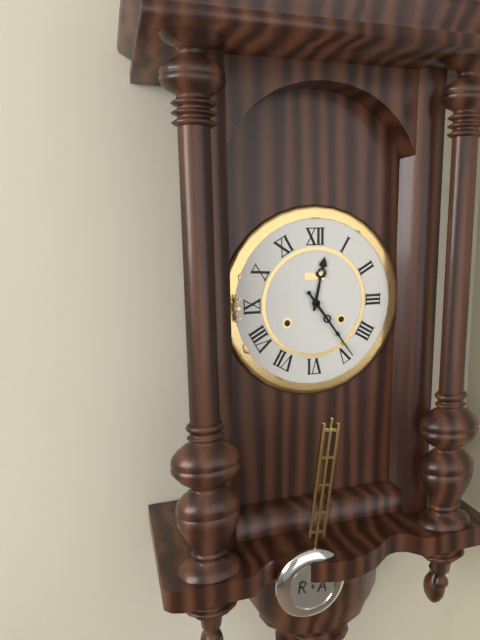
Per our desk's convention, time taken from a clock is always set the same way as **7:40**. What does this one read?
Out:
**12:24**
